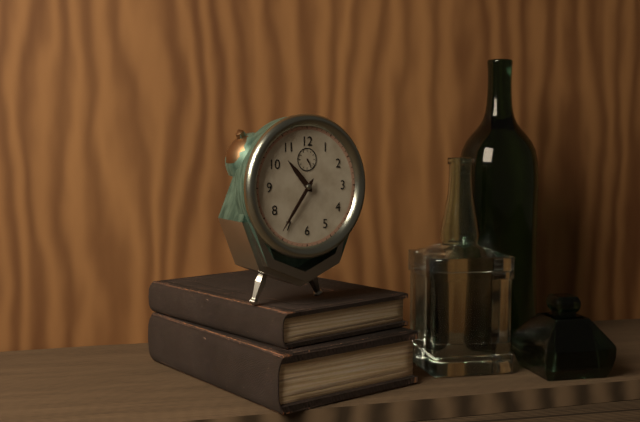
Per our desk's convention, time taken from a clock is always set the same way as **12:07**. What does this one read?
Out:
**10:36**
